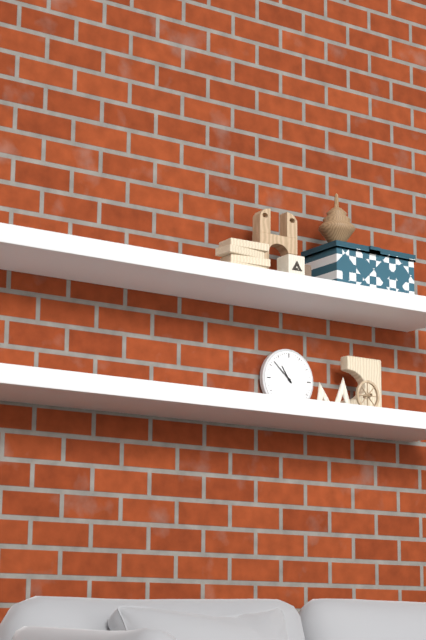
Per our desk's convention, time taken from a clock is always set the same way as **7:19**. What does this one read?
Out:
**10:52**
